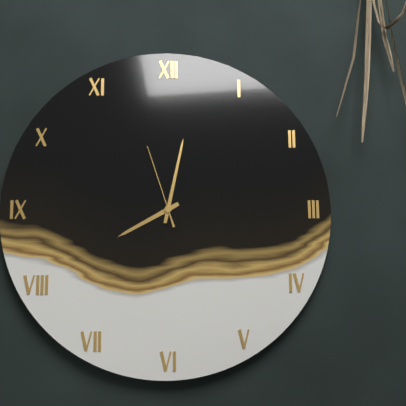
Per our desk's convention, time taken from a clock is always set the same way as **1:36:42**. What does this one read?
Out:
**8:02:57**
